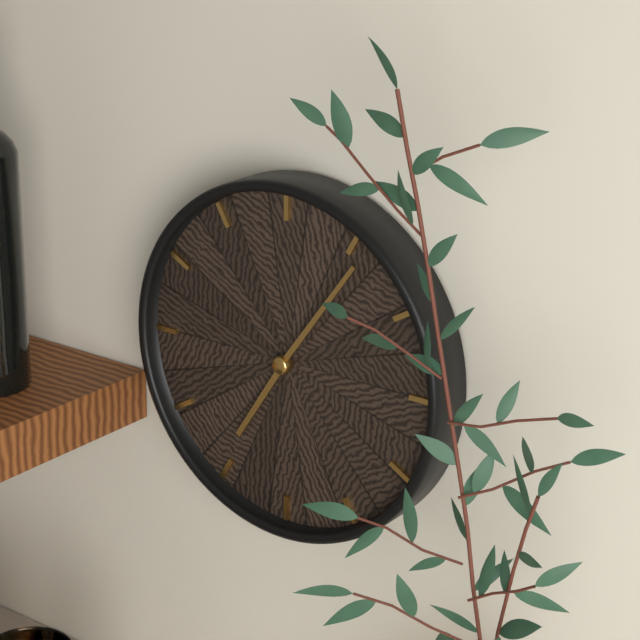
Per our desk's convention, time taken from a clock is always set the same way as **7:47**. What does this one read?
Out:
**7:06**
